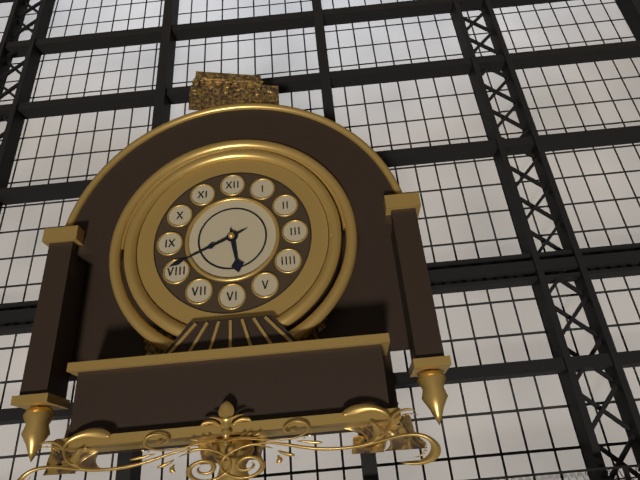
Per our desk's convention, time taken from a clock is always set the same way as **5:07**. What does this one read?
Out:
**5:41**
